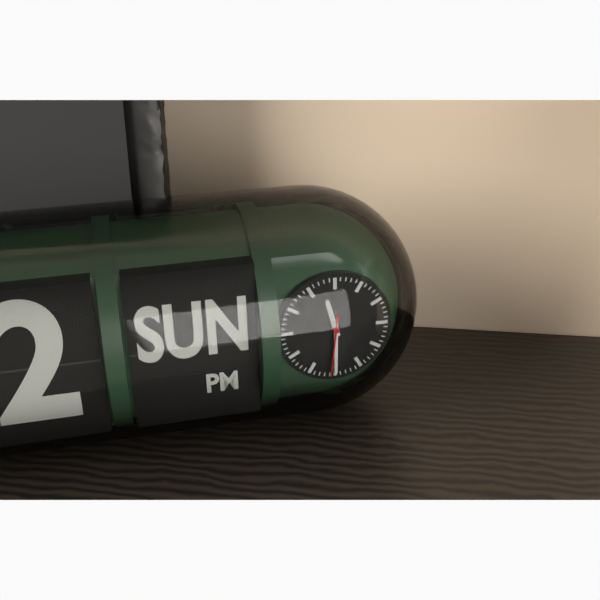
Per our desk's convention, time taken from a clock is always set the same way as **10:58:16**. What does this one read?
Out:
**11:30:31**
